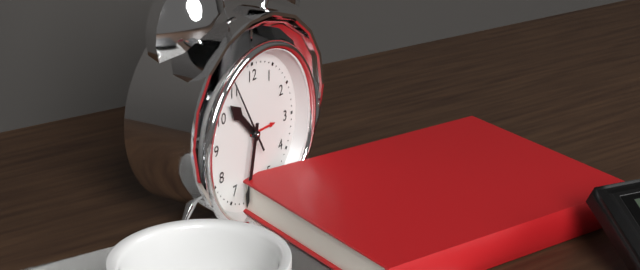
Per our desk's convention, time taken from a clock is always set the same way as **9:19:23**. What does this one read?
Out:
**10:32:55**
